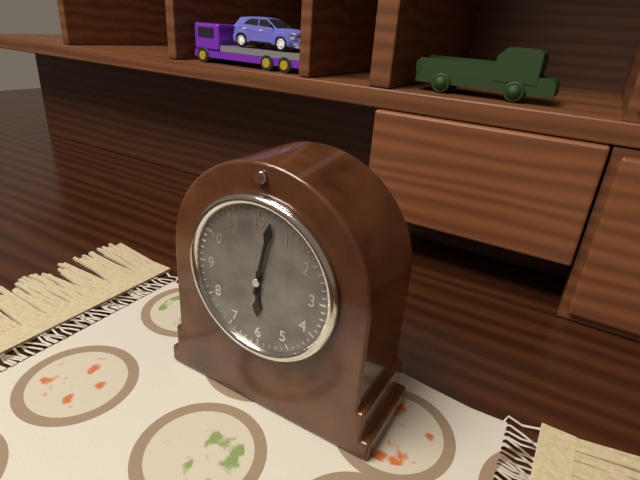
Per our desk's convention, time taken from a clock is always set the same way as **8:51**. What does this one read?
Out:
**6:02**
